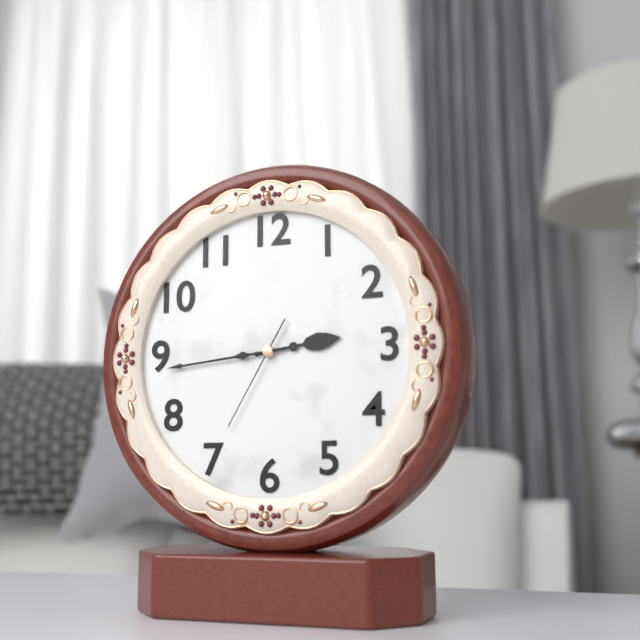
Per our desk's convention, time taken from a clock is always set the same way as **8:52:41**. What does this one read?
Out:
**2:44:35**
